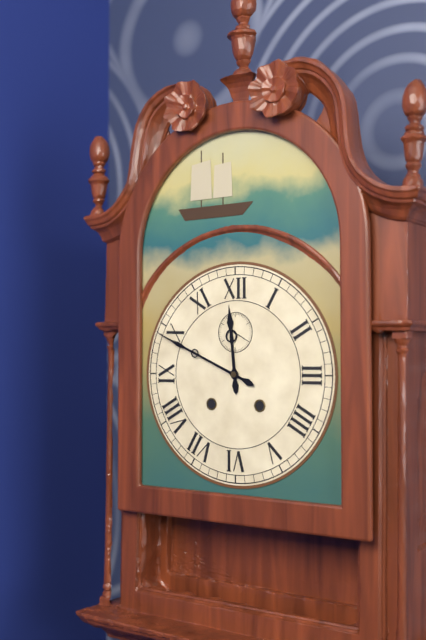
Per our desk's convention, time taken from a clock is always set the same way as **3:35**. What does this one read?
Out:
**11:49**
